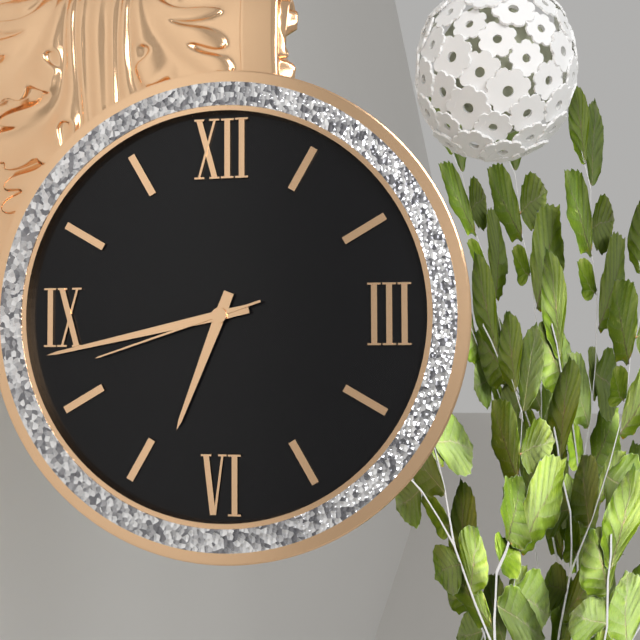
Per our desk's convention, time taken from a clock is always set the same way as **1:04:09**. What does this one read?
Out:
**6:43:42**
